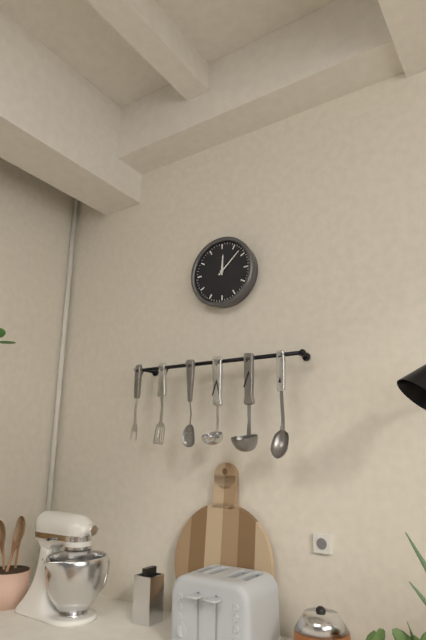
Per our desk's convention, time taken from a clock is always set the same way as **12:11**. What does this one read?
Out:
**12:08**
